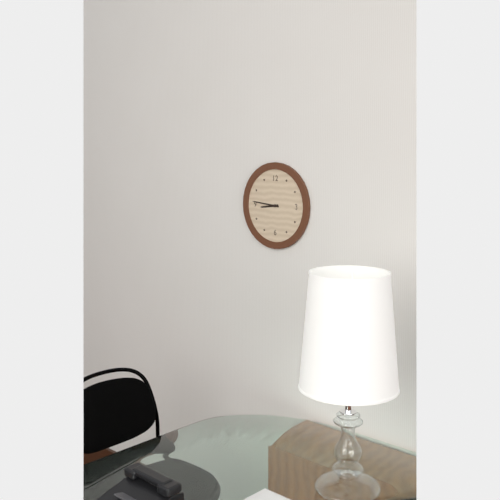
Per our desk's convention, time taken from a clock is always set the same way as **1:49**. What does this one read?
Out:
**8:46**
